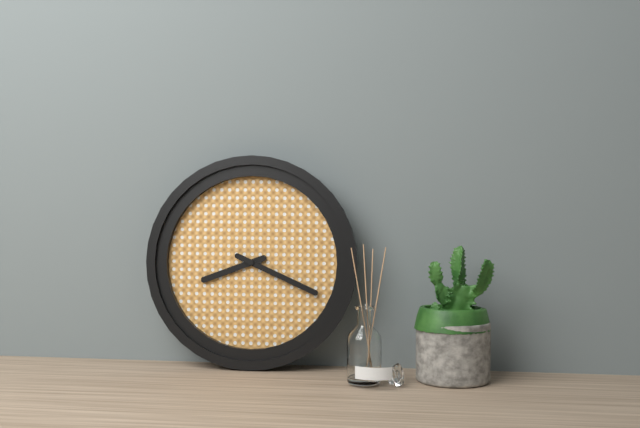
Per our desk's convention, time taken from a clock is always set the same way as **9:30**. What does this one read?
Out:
**8:19**
